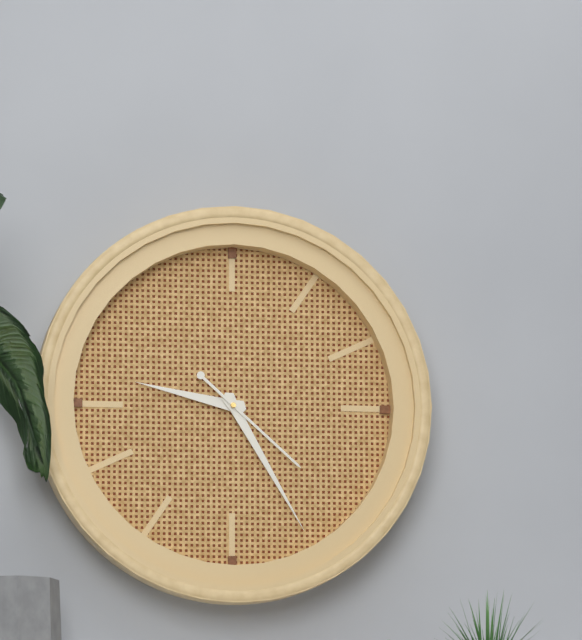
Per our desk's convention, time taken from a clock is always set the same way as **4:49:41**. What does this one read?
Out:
**9:25:22**
